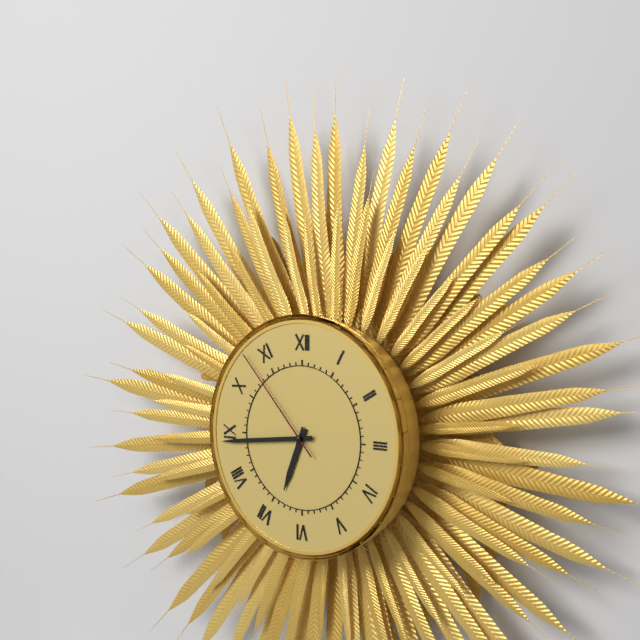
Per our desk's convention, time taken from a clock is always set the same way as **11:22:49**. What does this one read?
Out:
**6:44:53**
